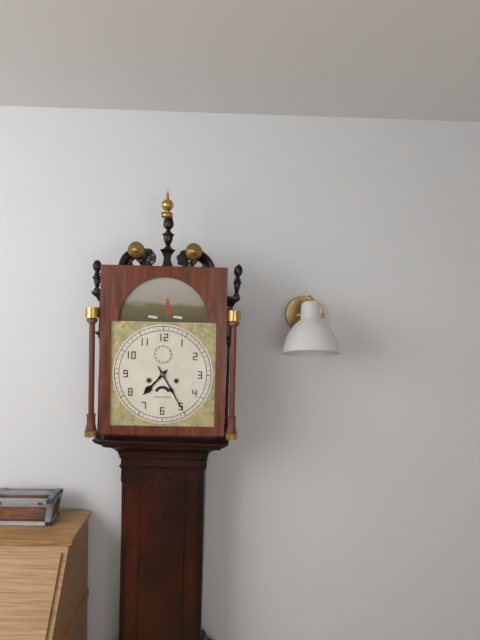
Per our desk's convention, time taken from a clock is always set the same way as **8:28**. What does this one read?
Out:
**7:25**
